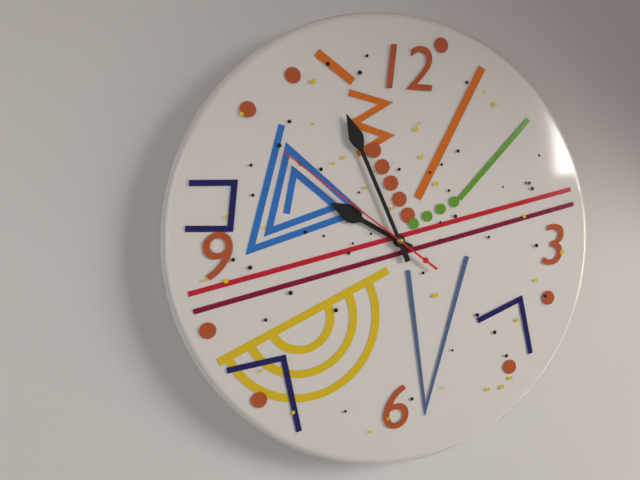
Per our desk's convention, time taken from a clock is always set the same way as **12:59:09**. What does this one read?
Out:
**9:56:51**
